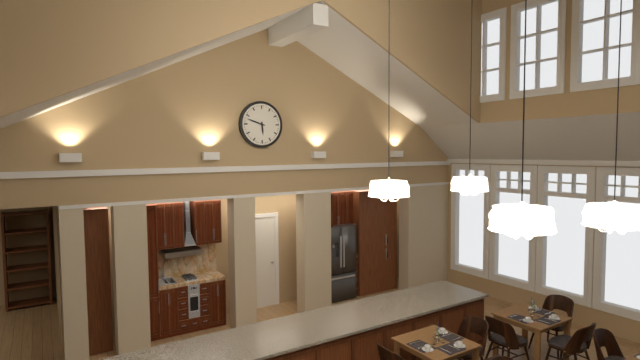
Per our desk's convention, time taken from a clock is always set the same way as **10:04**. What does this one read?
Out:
**5:48**
